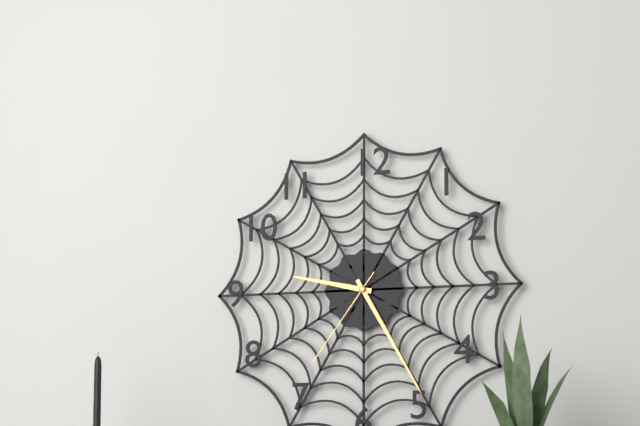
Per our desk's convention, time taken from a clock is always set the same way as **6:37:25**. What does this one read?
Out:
**9:25:36**
